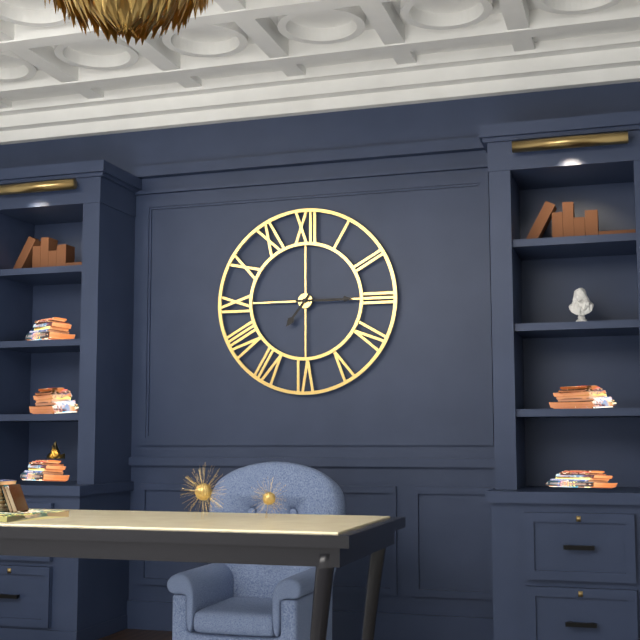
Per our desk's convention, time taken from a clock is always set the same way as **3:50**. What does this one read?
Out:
**7:15**
